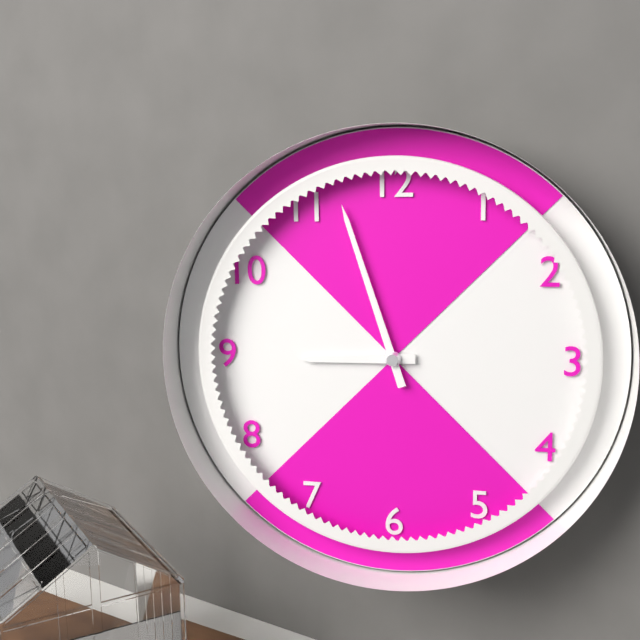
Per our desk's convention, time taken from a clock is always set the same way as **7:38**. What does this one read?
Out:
**8:57**
